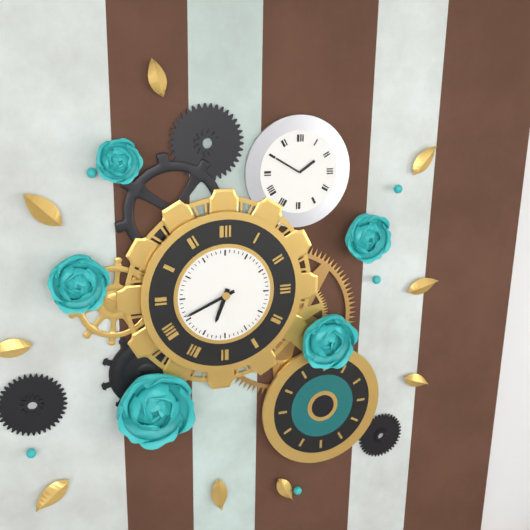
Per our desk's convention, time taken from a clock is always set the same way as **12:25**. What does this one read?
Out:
**6:41**
